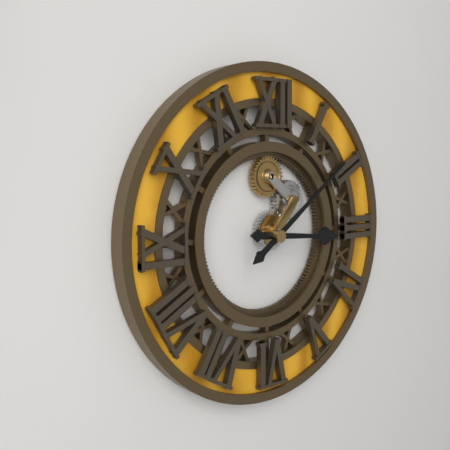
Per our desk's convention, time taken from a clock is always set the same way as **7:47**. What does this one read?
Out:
**3:09**
